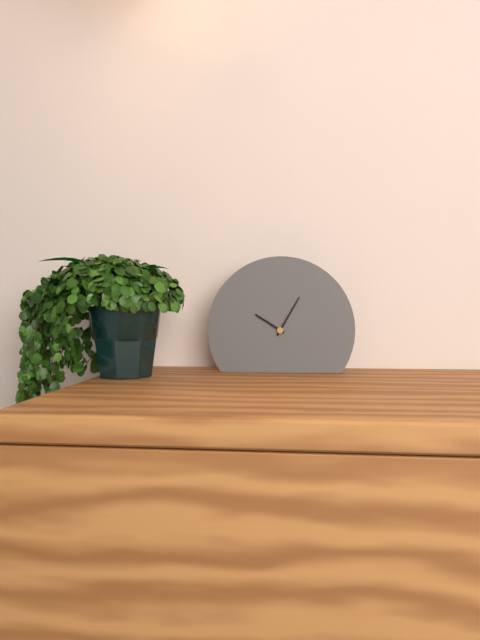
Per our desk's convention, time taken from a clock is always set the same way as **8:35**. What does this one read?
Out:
**10:05**
